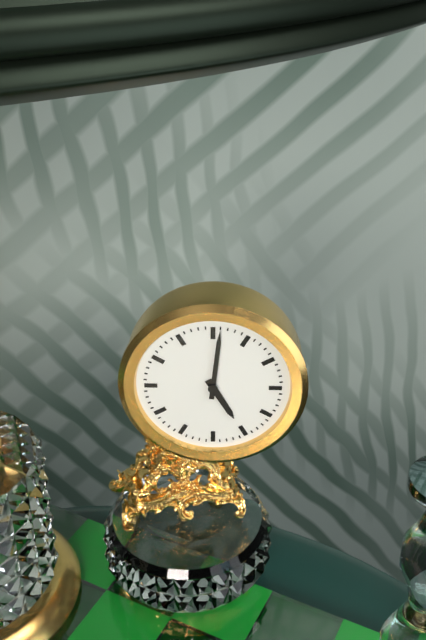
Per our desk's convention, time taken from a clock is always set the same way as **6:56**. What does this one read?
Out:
**5:01**
